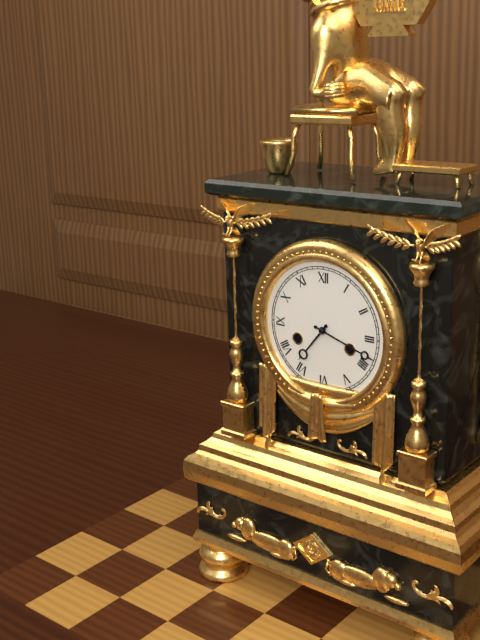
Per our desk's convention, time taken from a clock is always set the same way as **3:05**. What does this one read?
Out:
**7:18**
